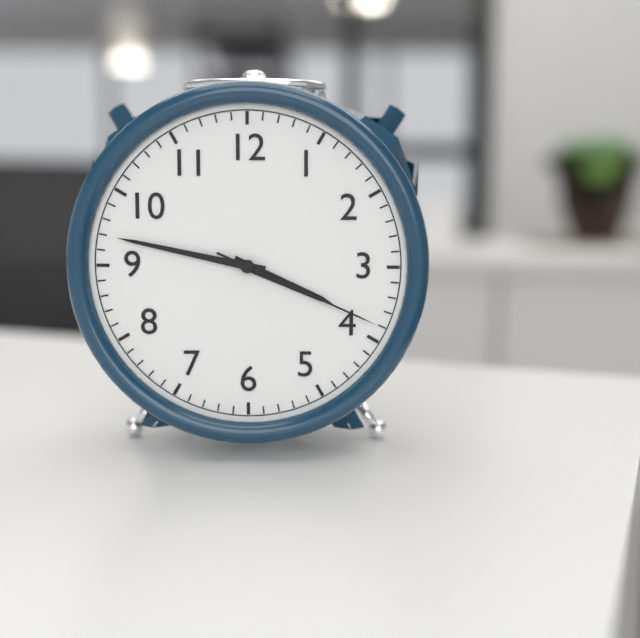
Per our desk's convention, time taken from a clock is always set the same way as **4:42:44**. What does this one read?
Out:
**3:47:19**
